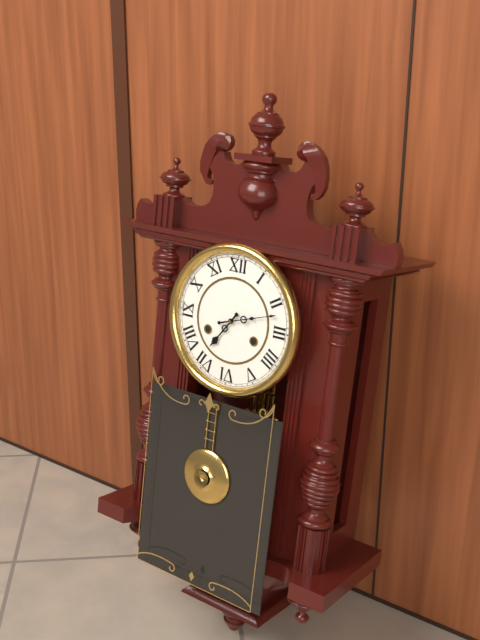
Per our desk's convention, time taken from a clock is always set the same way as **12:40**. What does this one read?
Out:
**7:12**
